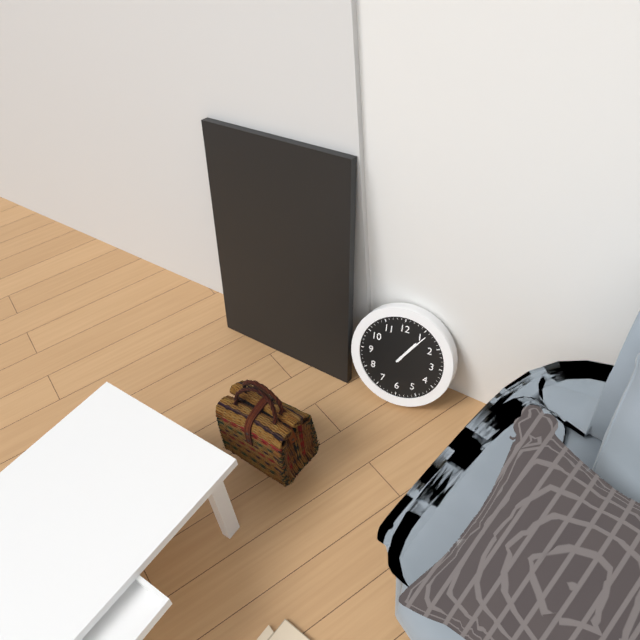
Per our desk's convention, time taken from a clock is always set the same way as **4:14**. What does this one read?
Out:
**1:06**
